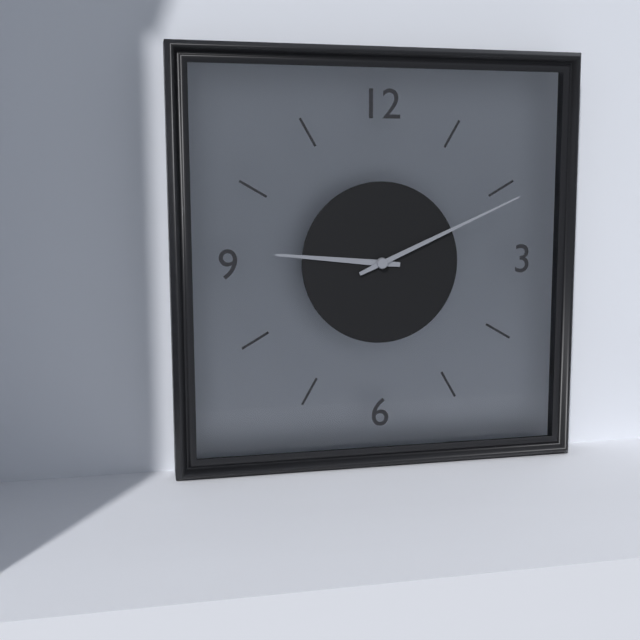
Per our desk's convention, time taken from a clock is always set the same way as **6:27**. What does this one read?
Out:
**9:11**
